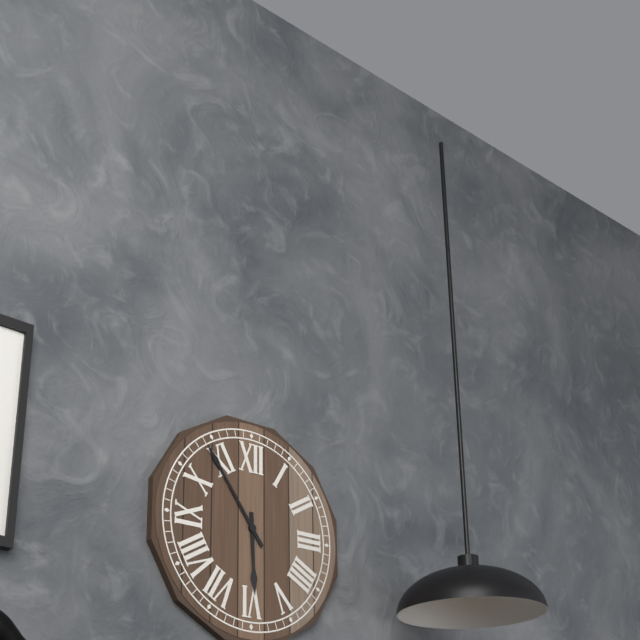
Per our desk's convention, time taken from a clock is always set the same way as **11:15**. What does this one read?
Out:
**5:54**
